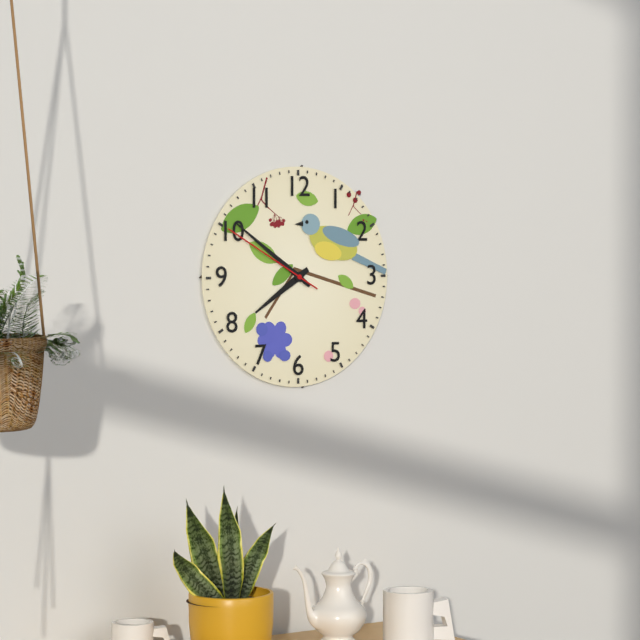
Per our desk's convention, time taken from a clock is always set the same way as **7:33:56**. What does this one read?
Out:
**7:51:50**
